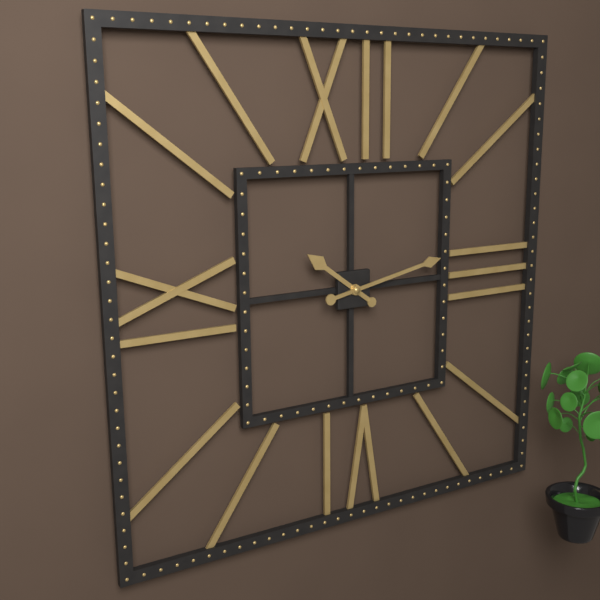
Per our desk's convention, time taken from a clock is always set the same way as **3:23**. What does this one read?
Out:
**10:13**
